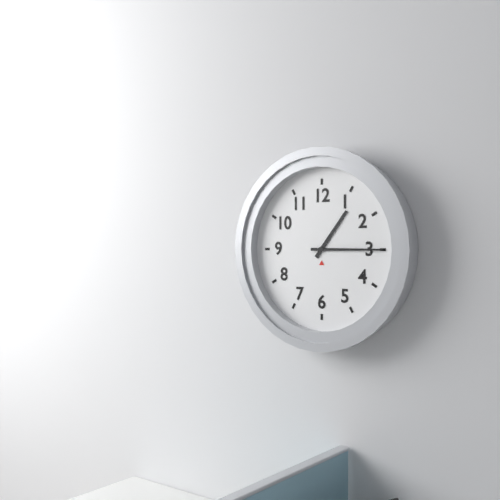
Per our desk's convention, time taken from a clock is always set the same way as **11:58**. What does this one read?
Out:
**1:15**
